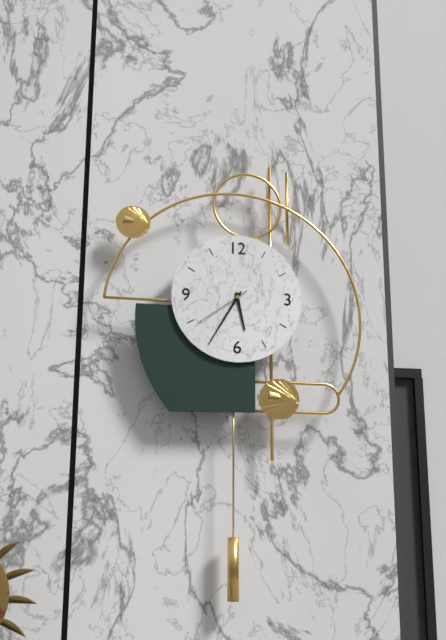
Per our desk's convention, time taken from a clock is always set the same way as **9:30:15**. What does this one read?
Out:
**5:35:39**
